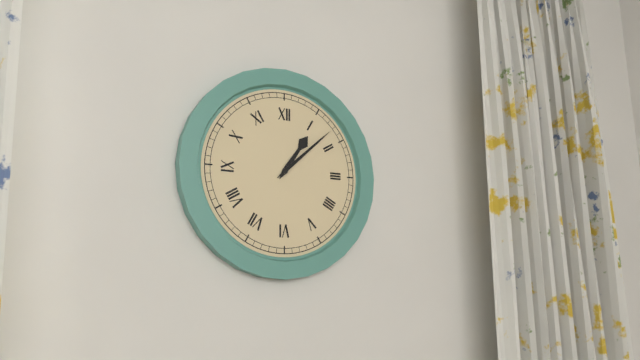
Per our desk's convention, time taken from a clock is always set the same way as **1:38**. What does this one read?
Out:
**1:08**
